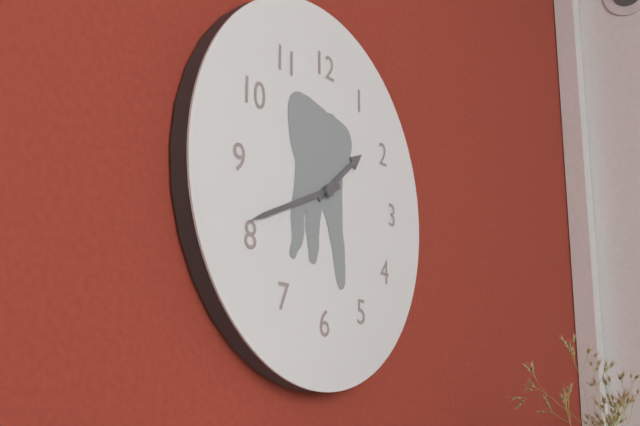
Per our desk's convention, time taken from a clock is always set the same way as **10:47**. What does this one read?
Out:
**1:41**
